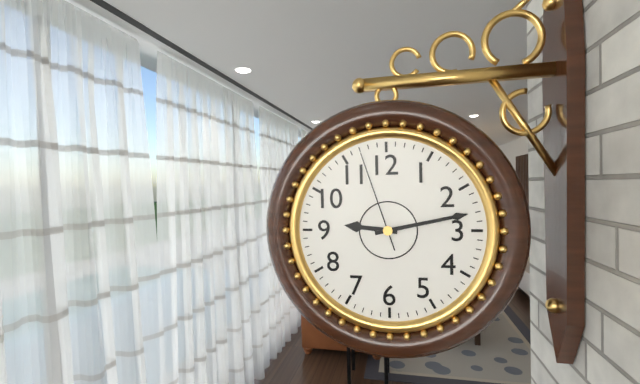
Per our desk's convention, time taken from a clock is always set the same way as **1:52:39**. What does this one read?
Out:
**9:13:57**
